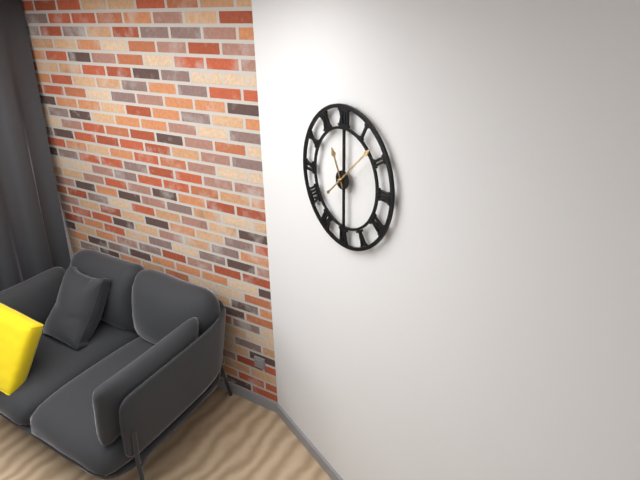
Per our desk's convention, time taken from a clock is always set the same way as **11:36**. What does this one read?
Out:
**11:08**
